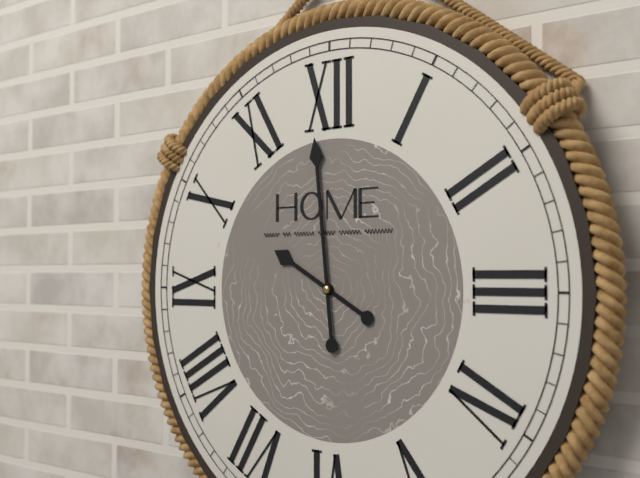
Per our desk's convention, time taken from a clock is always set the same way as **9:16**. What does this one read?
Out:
**9:59**
